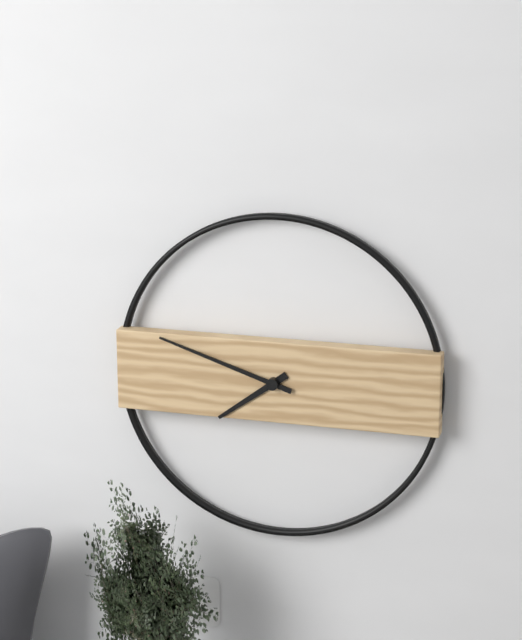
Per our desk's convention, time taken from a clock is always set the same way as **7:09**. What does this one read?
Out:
**7:48**
